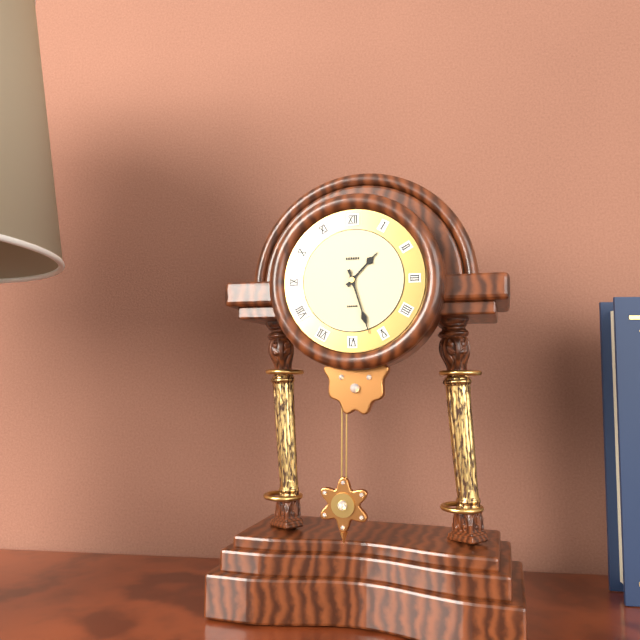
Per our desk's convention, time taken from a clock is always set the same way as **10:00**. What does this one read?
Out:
**1:27**
